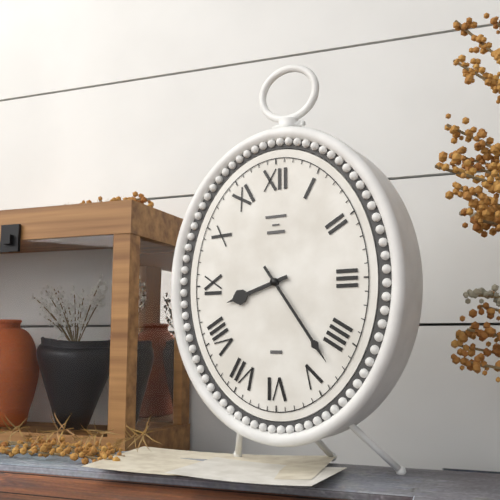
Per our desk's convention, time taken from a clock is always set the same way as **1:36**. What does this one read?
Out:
**8:24**
